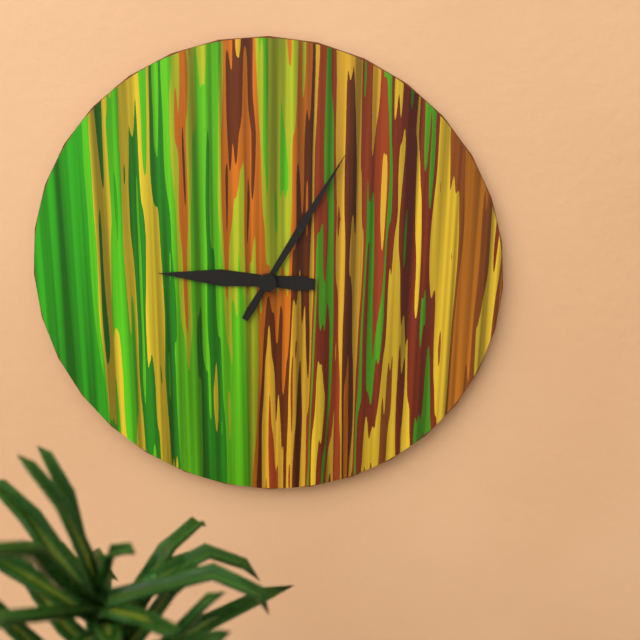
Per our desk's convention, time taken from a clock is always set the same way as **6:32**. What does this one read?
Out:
**9:05**
